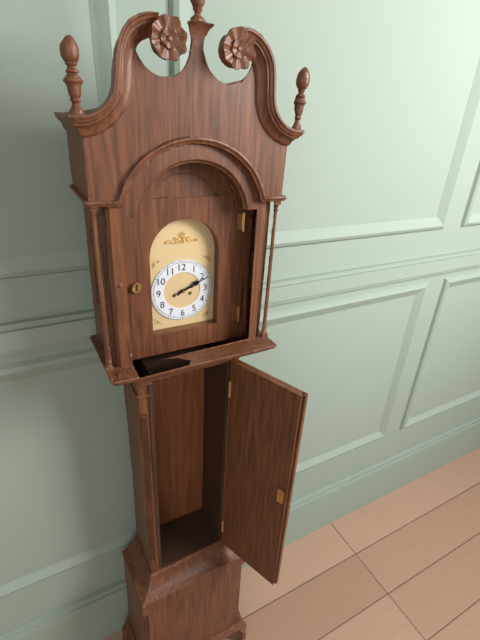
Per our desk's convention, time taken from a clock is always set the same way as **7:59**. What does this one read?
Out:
**2:11**
